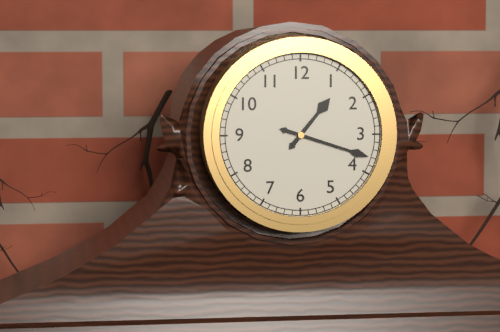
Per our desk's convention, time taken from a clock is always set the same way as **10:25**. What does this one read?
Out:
**1:18**
